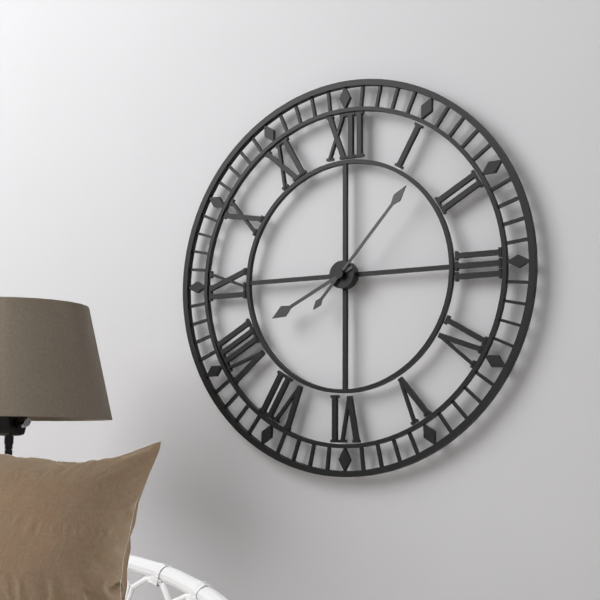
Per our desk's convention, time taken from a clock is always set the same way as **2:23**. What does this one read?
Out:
**8:07**
